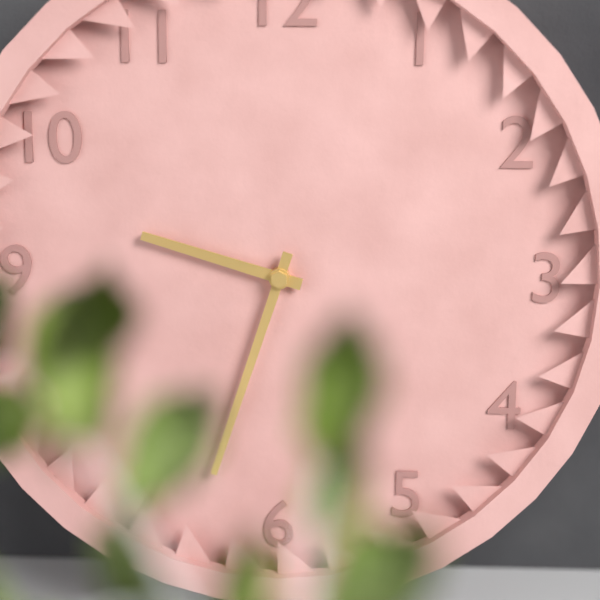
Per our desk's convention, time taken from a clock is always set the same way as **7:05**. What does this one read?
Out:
**9:33**
